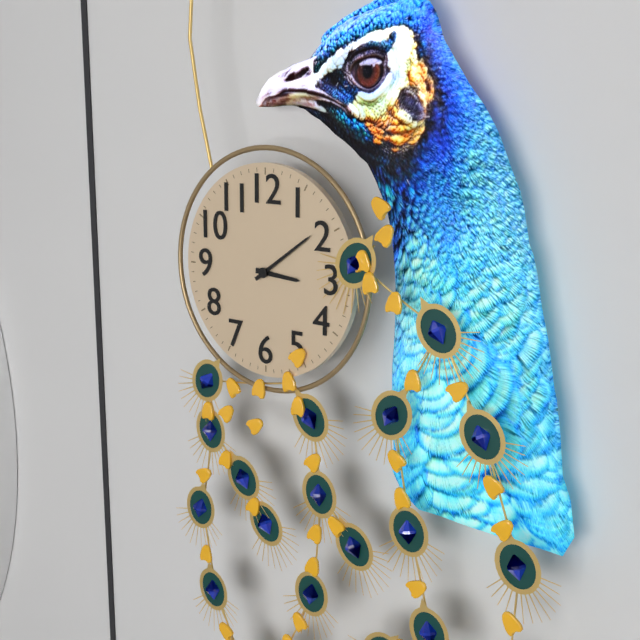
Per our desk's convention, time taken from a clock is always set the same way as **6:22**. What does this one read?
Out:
**3:09**
